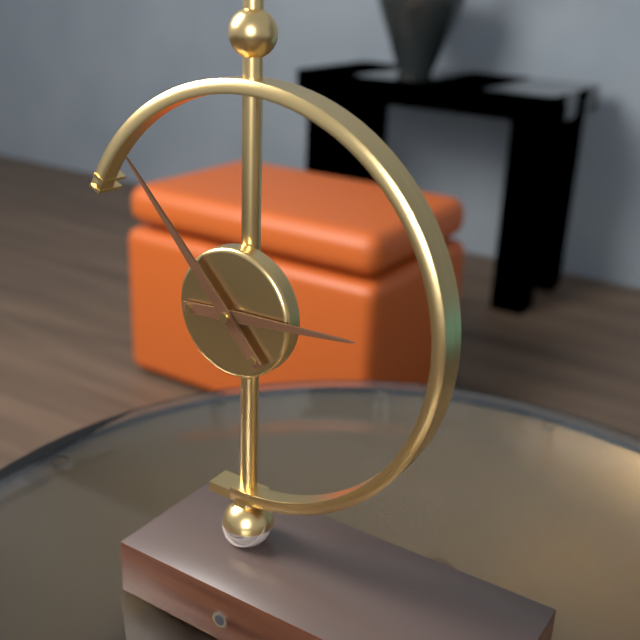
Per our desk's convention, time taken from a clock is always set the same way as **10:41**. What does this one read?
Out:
**2:53**
